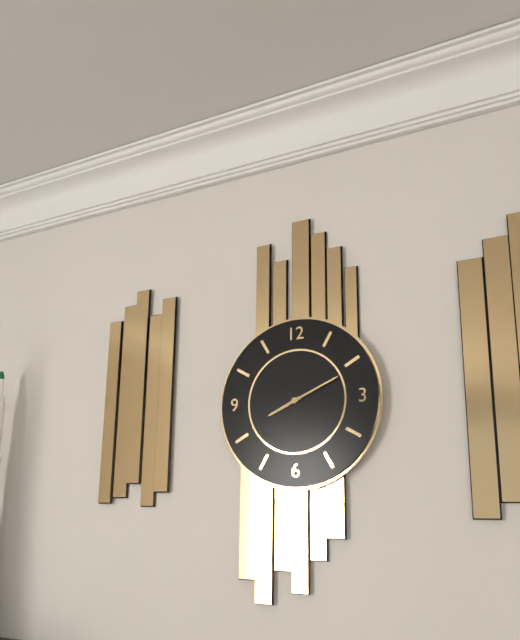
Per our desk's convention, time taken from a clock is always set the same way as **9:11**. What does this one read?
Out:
**8:11**
